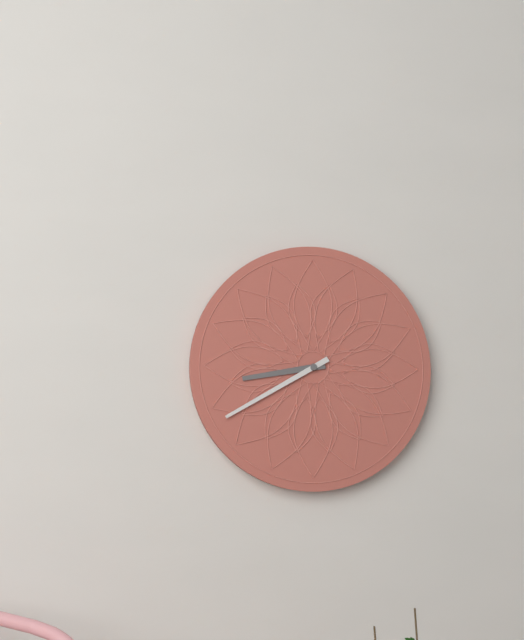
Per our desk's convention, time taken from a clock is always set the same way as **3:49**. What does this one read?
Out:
**8:40**
